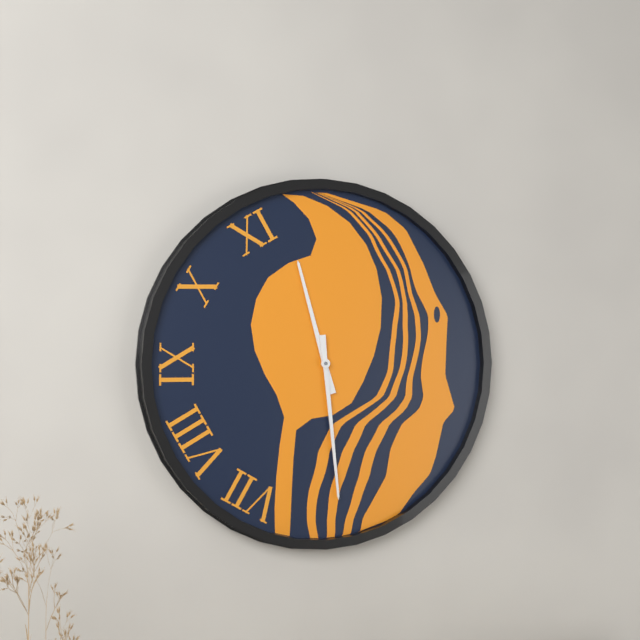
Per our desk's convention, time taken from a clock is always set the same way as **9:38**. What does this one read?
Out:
**11:29**
